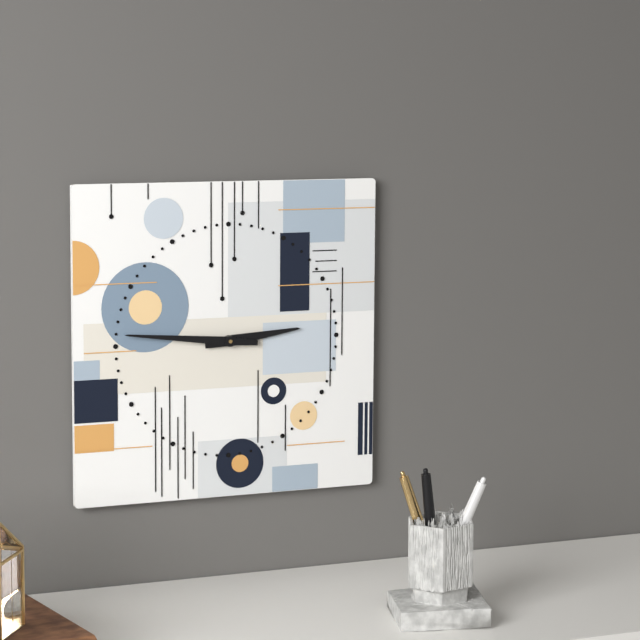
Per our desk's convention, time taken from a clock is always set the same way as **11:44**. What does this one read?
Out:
**2:46**
